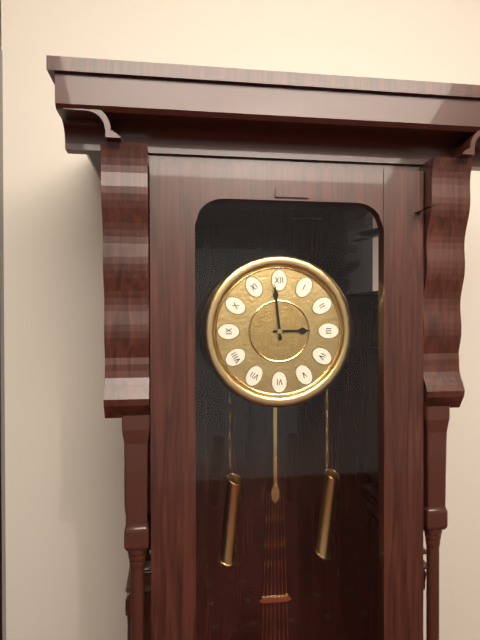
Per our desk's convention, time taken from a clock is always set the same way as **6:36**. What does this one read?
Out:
**2:59**
